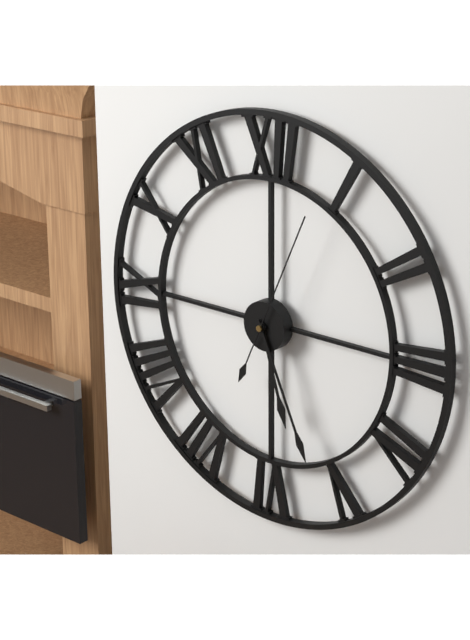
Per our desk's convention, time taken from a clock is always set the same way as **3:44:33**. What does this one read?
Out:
**5:26:04**
